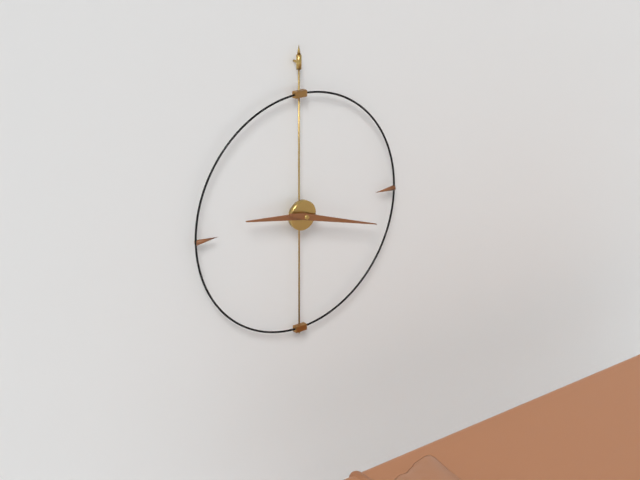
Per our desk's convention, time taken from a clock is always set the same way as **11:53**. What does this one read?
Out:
**9:18**
